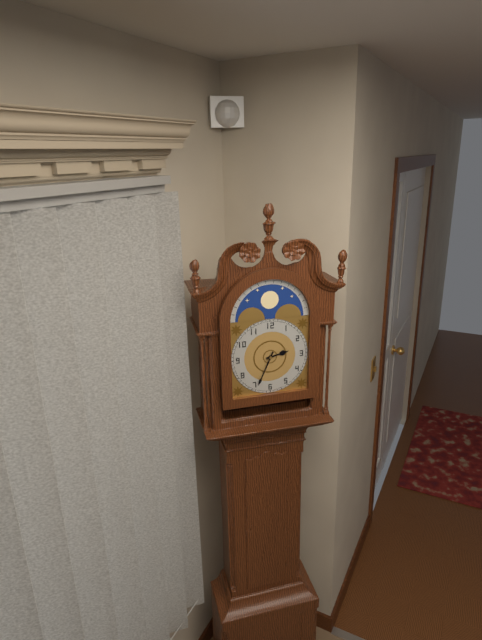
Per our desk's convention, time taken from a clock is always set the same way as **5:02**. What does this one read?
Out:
**2:34**
